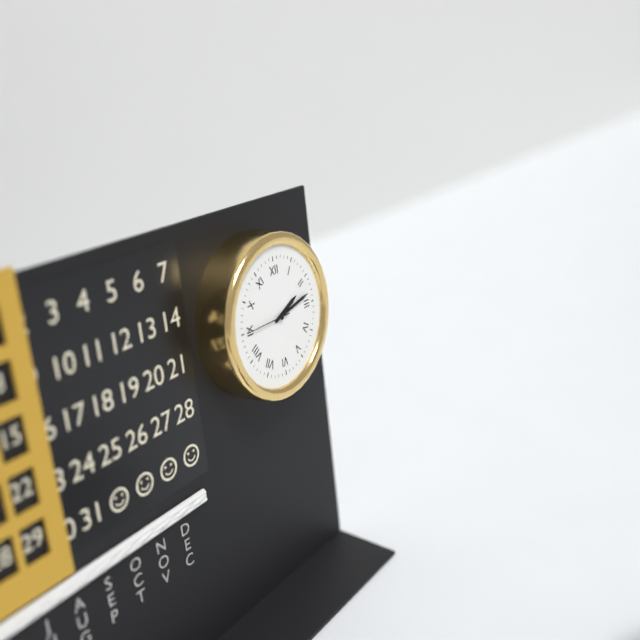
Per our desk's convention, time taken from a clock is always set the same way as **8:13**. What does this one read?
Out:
**2:13**
